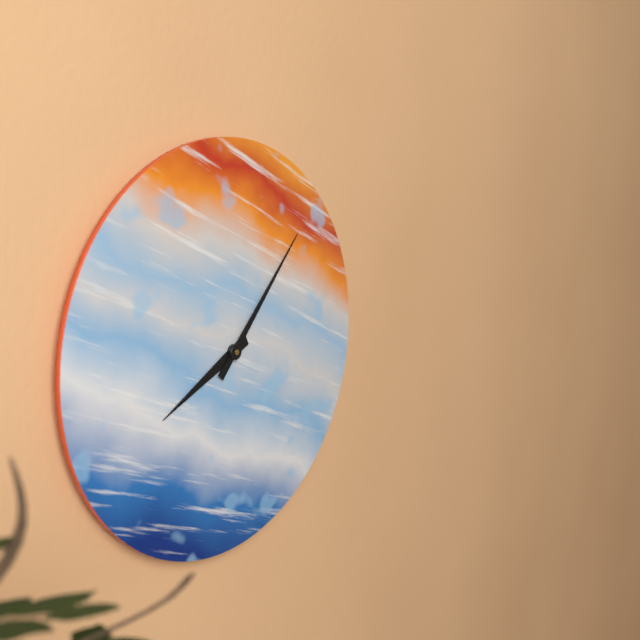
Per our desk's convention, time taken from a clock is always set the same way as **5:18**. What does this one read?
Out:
**8:07**
